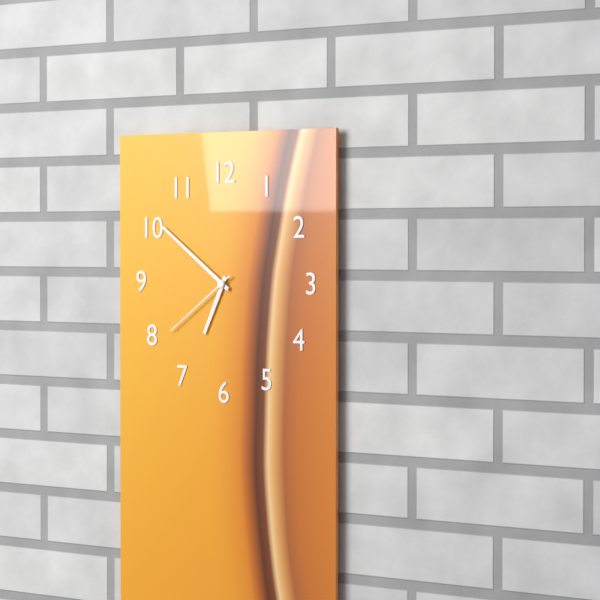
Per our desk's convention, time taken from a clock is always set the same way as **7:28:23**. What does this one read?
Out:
**6:51:39**
